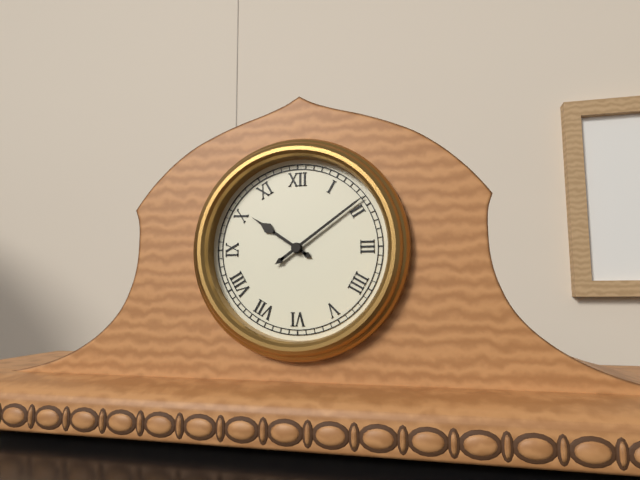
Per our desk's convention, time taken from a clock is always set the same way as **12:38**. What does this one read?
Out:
**10:09**
